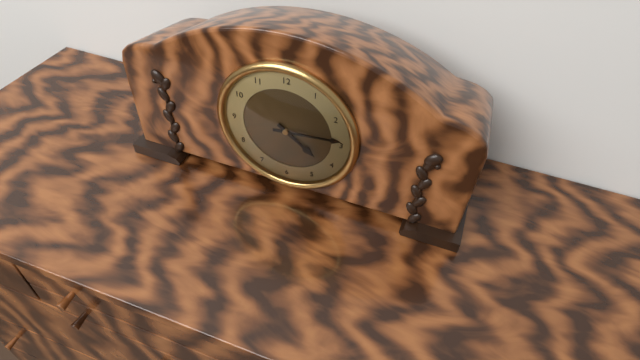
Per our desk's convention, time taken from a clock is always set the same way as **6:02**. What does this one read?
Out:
**4:14**
